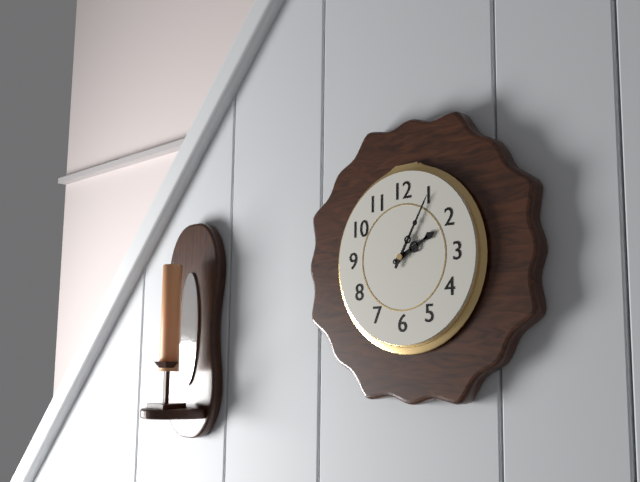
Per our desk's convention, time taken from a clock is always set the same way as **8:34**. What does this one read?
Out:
**2:05**
